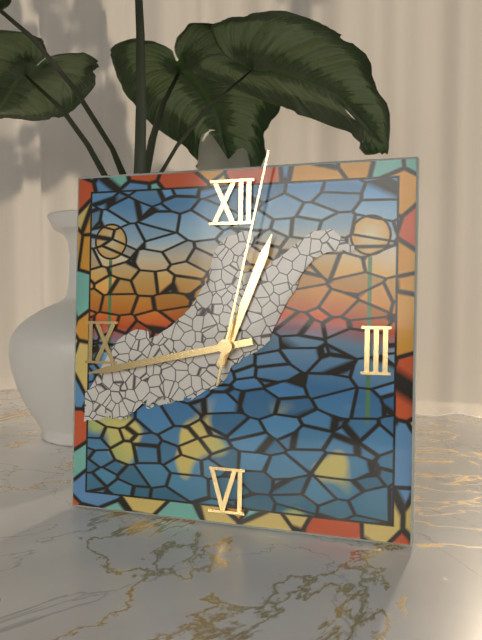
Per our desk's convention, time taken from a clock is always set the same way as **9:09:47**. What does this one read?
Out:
**12:43:02**
